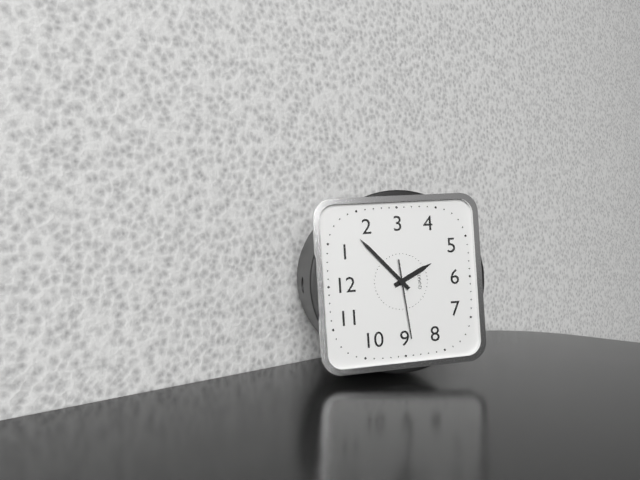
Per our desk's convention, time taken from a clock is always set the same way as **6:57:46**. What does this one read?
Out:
**5:08:44**
